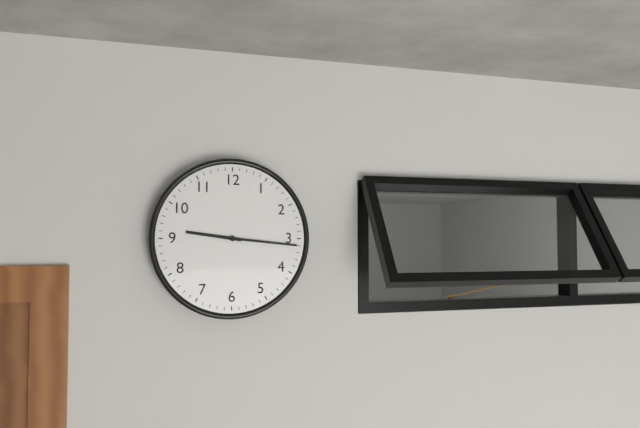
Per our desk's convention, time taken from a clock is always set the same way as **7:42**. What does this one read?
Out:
**9:16**
